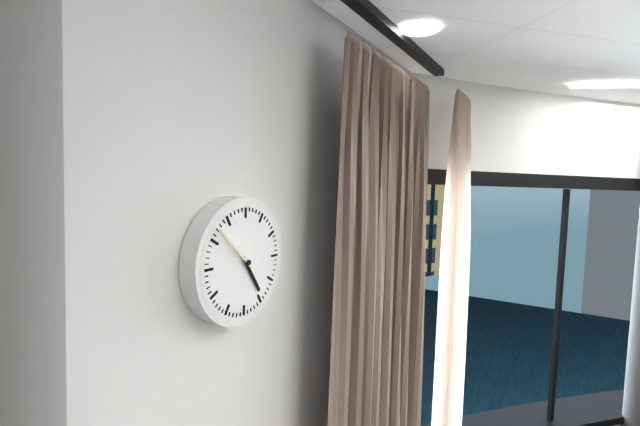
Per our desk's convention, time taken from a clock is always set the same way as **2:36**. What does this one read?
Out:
**4:52**
